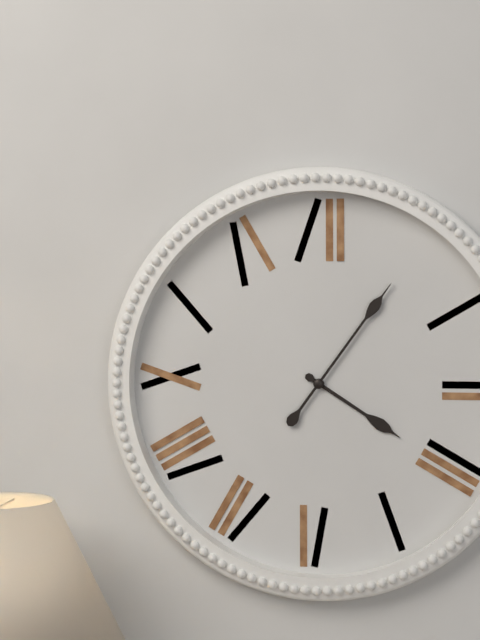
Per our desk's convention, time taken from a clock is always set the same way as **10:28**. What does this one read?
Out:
**4:06**
